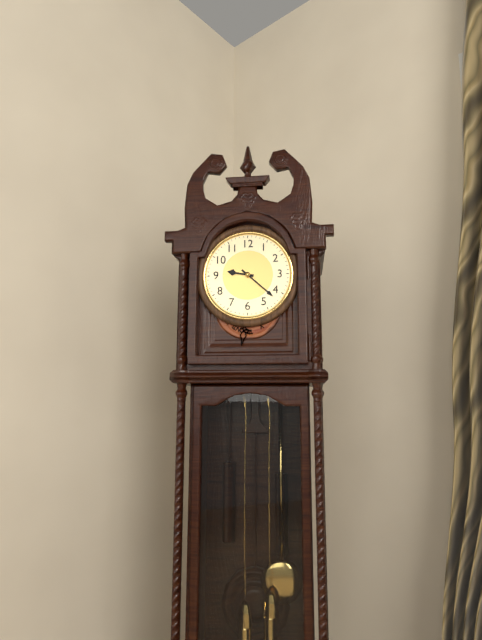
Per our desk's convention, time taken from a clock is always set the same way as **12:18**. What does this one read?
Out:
**9:22**
